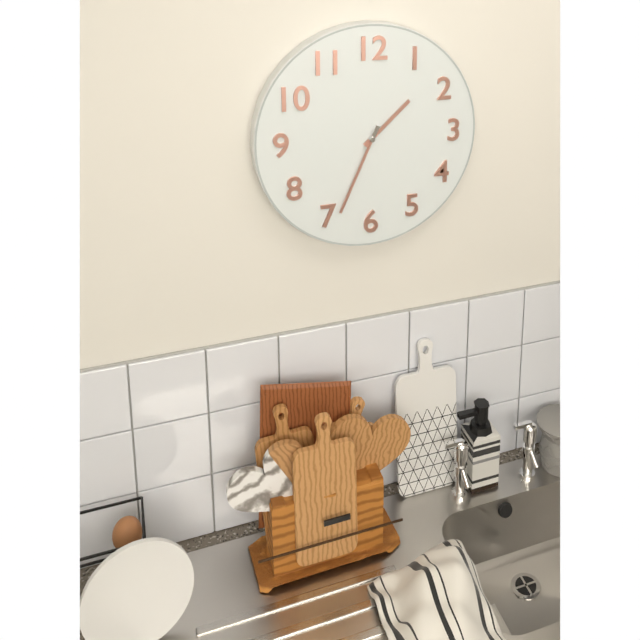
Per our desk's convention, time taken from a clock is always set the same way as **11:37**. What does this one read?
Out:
**1:34**
